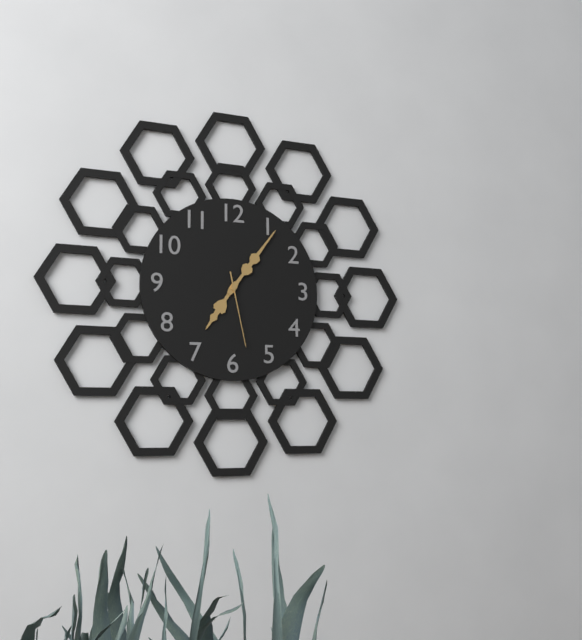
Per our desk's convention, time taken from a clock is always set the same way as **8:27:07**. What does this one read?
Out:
**7:06:28**
